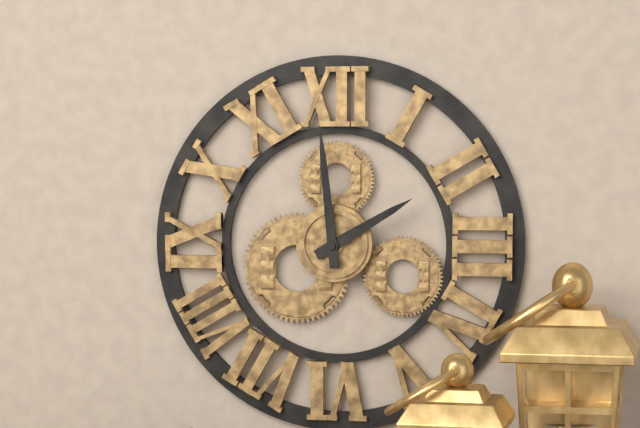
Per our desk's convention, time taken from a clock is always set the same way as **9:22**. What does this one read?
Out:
**1:59**
